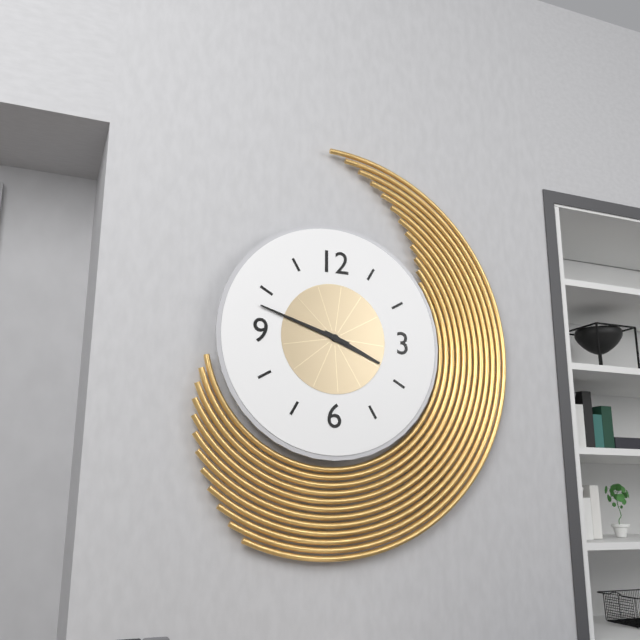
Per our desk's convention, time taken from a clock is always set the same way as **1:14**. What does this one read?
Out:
**3:48**
